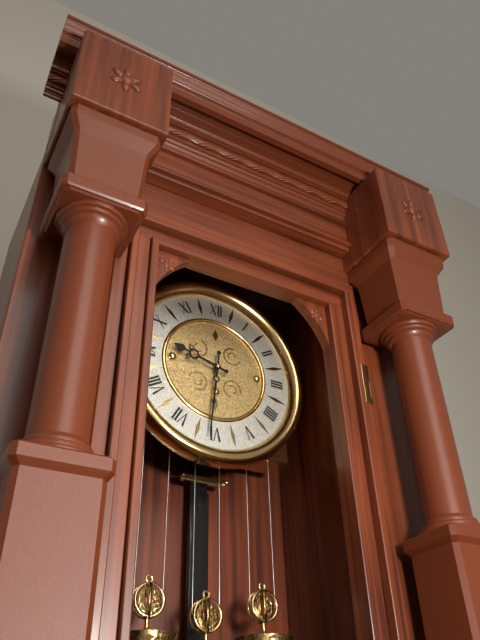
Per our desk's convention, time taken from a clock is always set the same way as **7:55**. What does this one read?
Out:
**9:31**
